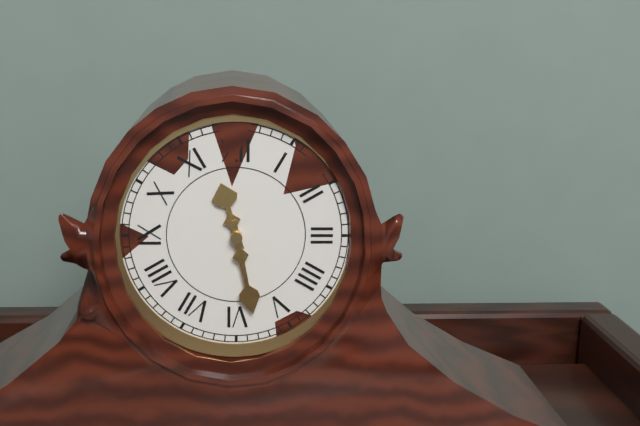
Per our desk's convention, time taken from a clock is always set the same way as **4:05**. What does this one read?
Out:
**11:28**
